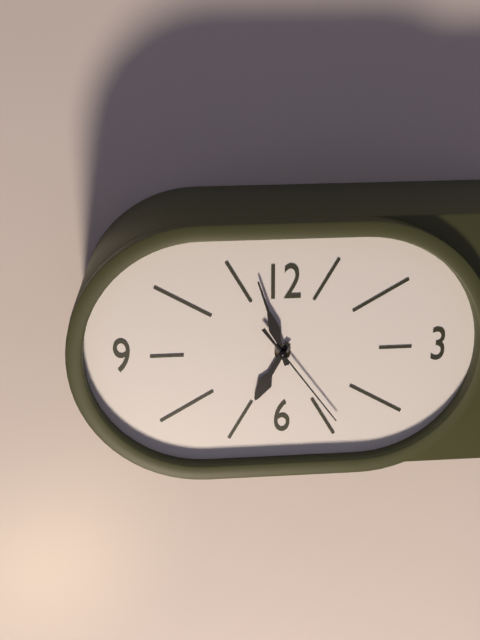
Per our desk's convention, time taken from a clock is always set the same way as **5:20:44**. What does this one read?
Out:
**6:57:24**
